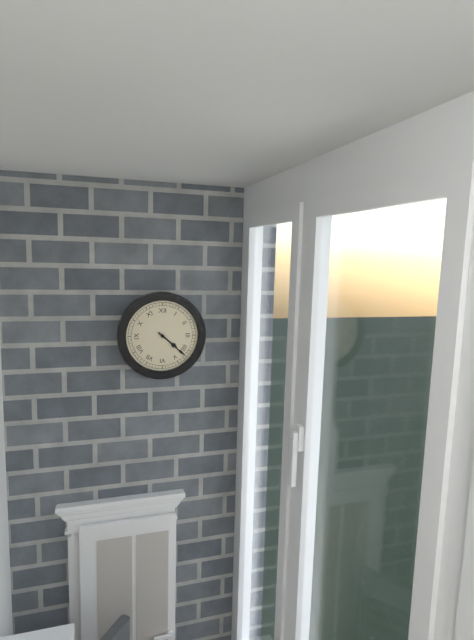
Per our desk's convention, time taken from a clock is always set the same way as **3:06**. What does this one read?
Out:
**4:22**
